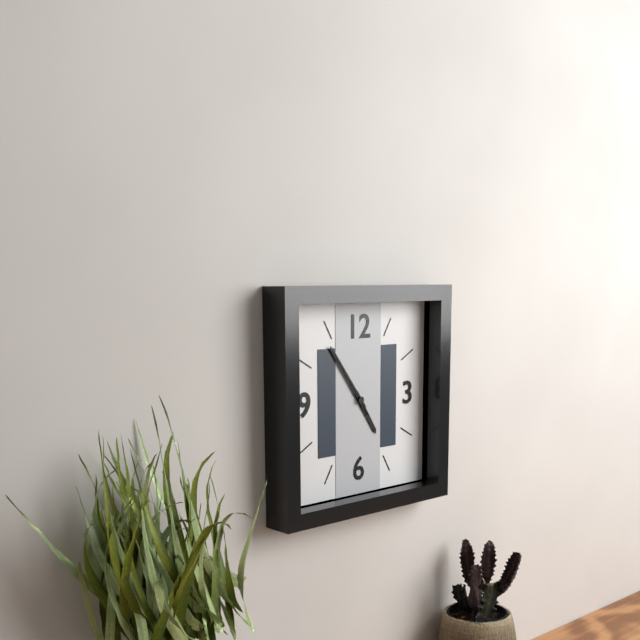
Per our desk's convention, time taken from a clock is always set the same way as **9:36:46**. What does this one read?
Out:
**4:54:54**
